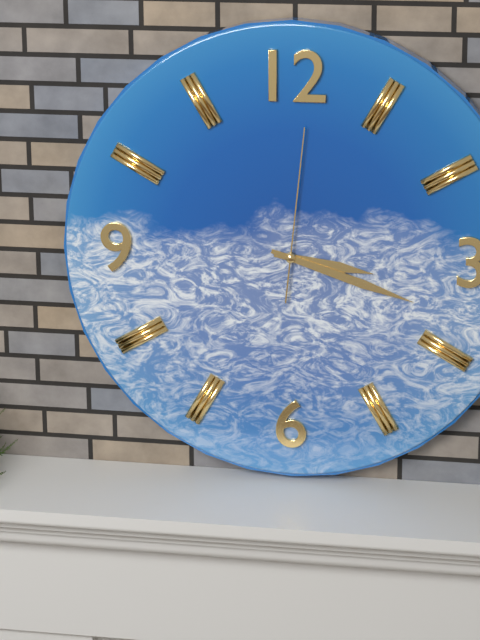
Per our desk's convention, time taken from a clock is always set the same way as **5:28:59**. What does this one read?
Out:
**3:18:01**
